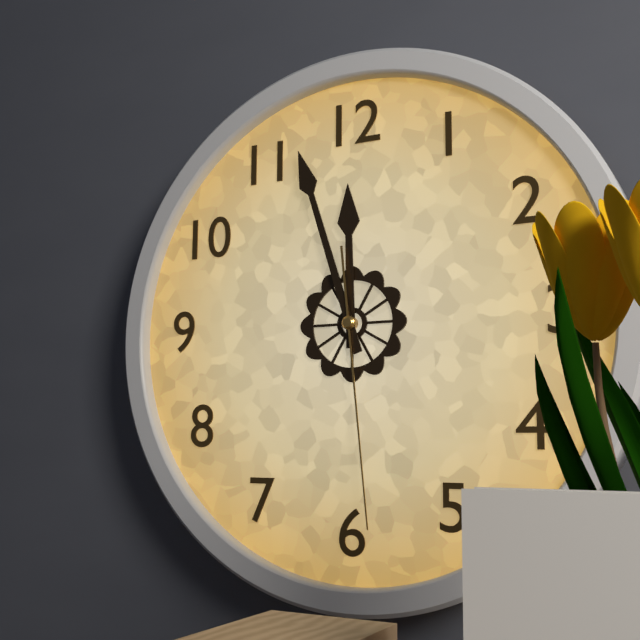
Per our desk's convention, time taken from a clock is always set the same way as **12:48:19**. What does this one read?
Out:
**11:57:29**
